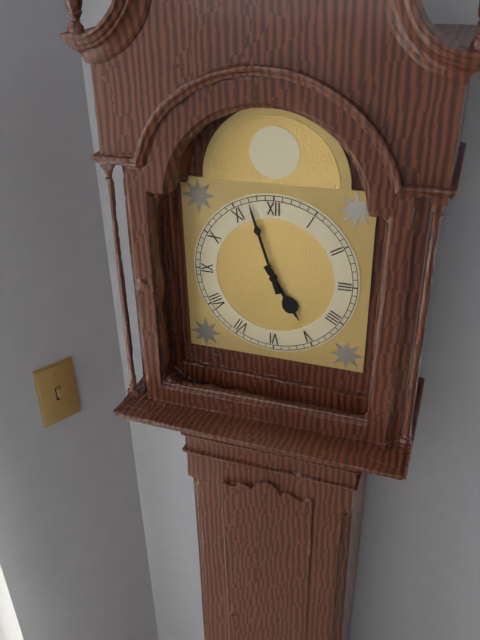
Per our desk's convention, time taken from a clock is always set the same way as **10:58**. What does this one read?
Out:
**4:57**
